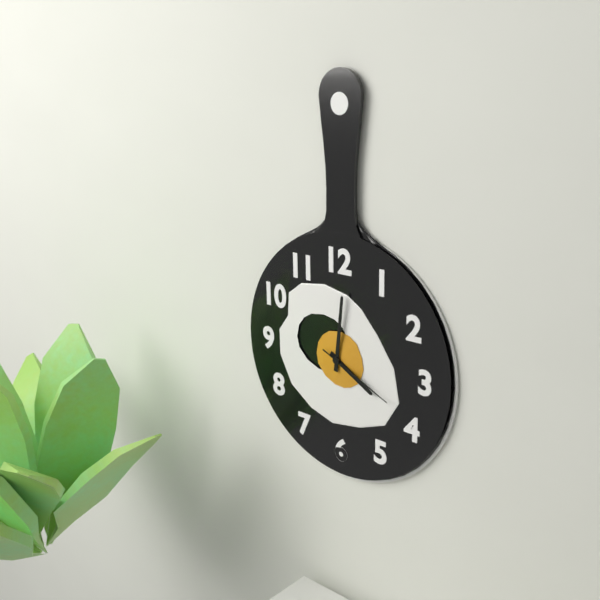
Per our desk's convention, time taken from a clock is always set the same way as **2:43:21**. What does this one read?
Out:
**4:01:19**
